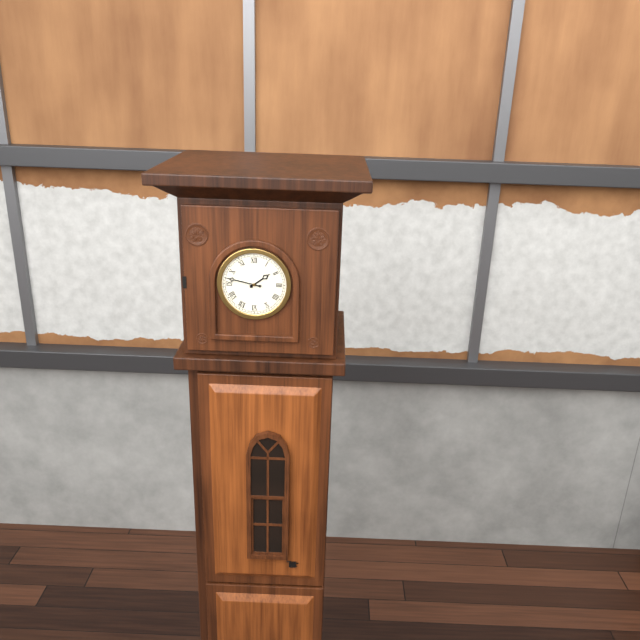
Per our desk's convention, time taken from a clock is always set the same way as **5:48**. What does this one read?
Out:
**1:47**
